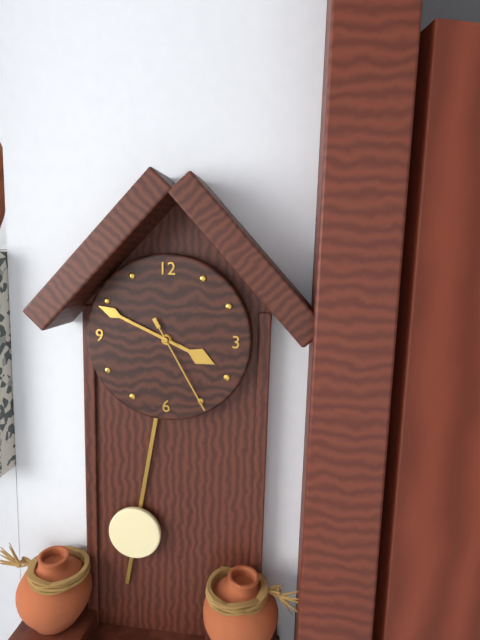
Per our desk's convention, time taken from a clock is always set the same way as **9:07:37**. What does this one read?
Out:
**3:49:25**
